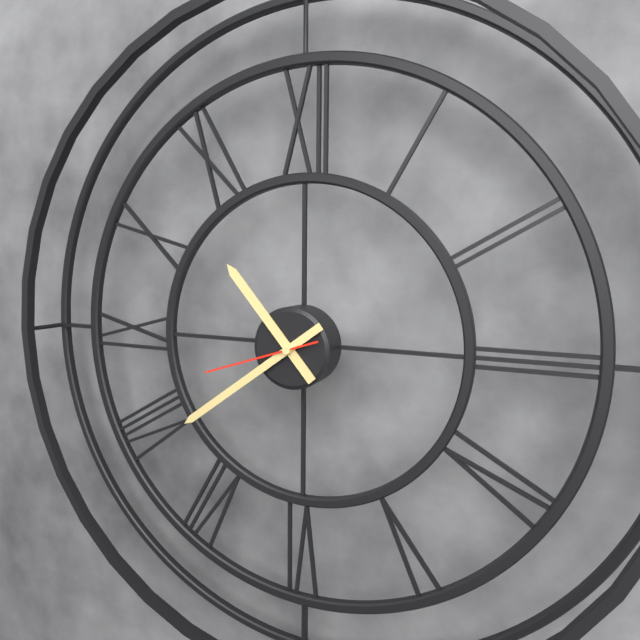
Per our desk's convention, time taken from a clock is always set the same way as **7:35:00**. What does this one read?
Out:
**10:39:42**
